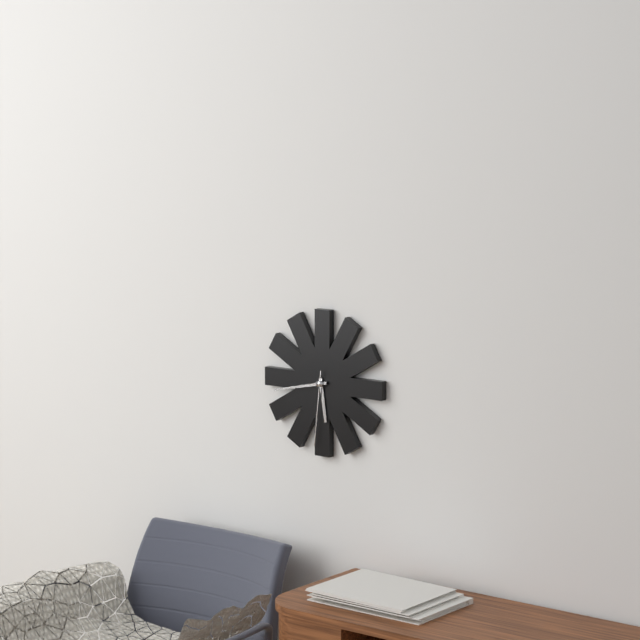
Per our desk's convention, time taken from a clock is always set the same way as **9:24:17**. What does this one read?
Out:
**5:43:31**
